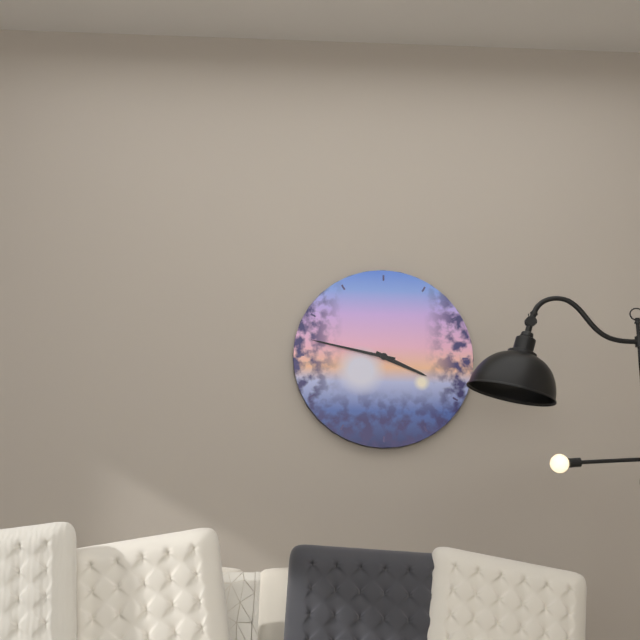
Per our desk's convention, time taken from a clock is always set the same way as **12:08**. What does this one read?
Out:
**3:47**
